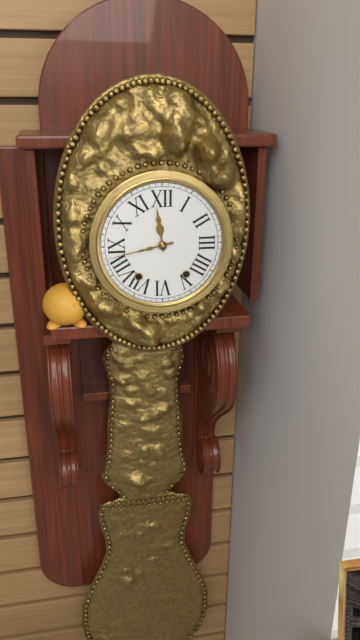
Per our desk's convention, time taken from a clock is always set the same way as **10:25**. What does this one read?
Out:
**11:43**
